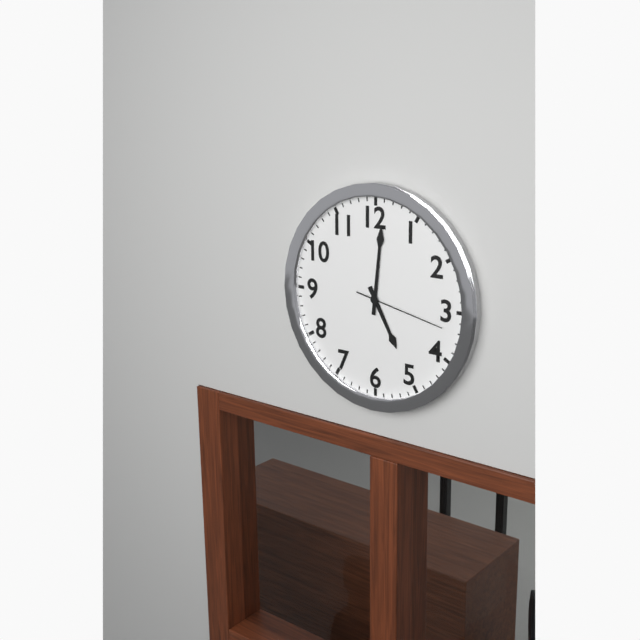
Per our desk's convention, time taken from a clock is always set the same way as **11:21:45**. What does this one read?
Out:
**5:01:17**
